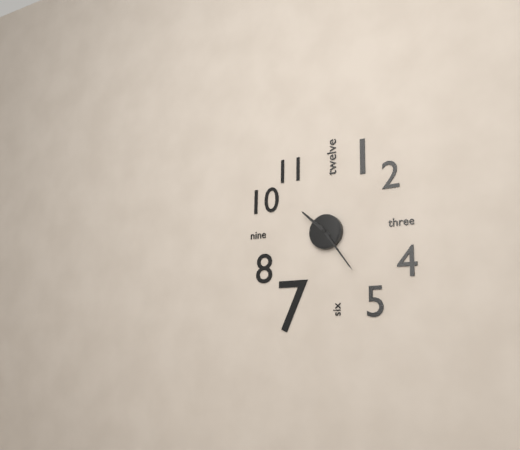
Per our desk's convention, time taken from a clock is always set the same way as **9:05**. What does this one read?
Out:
**10:24**
